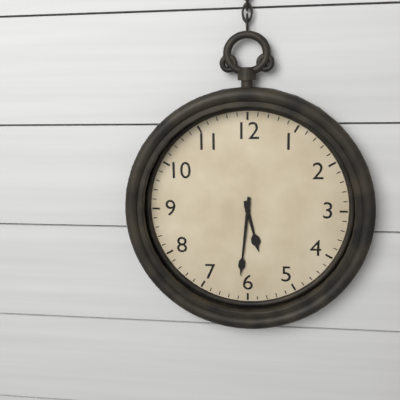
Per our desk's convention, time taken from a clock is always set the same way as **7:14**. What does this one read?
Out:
**5:31**
